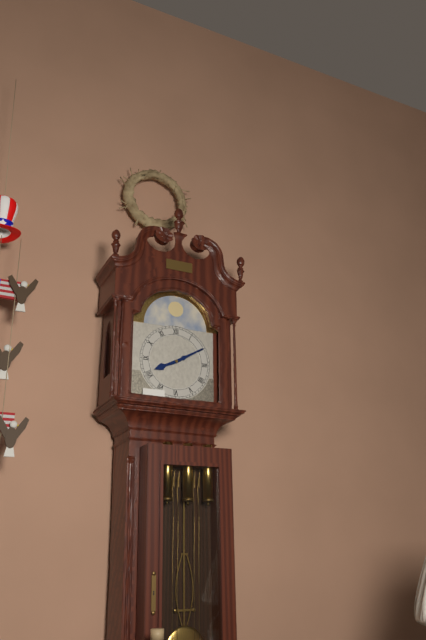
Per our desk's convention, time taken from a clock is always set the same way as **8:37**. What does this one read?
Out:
**8:10**
